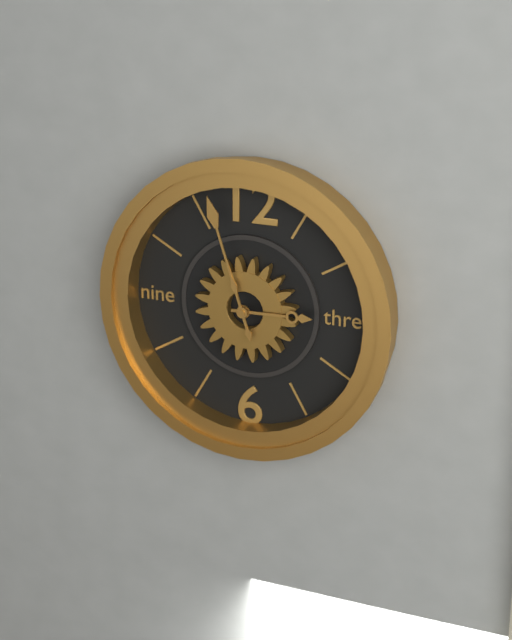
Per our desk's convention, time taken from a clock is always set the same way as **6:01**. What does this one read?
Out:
**2:57**
